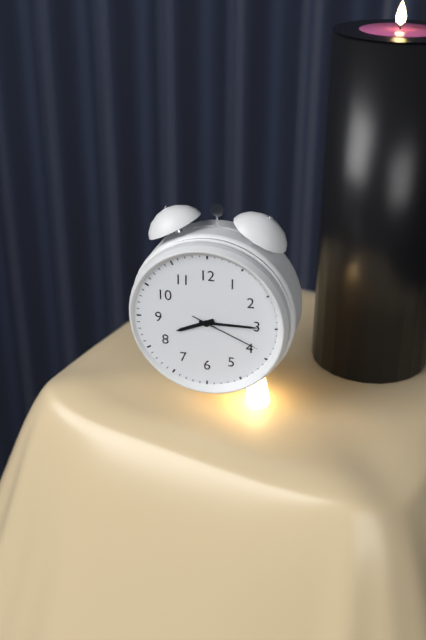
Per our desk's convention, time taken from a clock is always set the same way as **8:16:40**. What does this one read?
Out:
**8:15:19**
